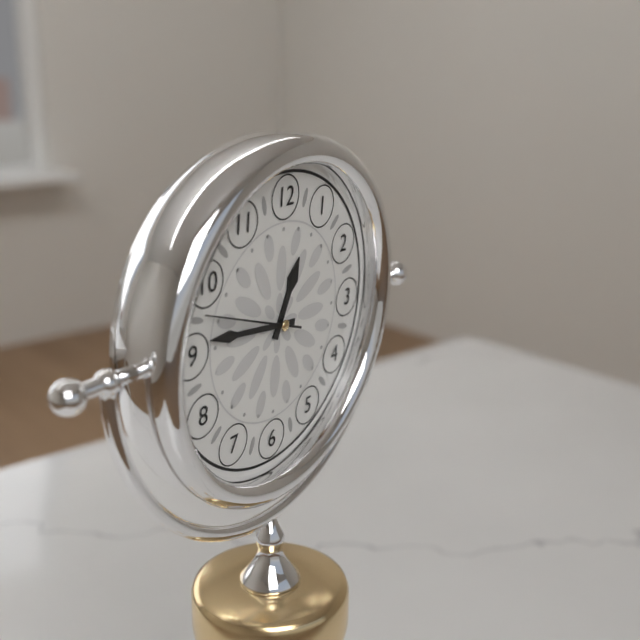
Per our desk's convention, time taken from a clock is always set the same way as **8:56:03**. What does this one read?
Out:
**12:46:48**
